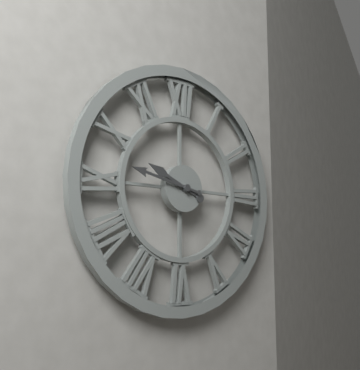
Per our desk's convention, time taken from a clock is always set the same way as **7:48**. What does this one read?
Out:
**9:47**
